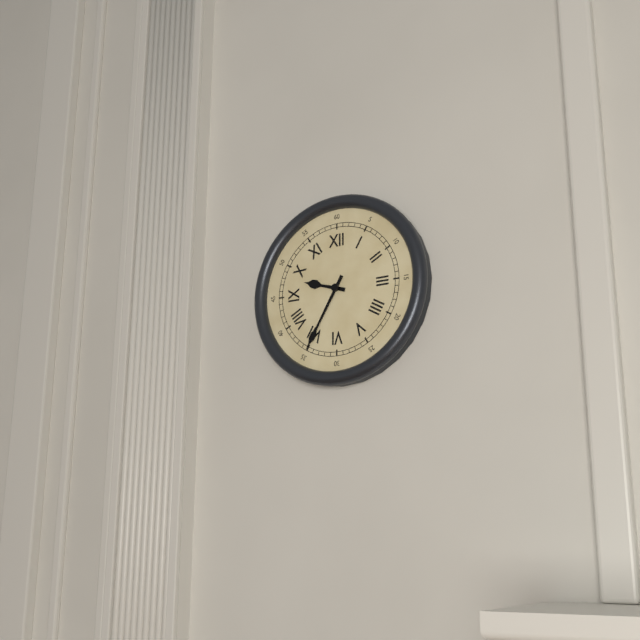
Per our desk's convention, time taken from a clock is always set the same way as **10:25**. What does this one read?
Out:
**9:35**
